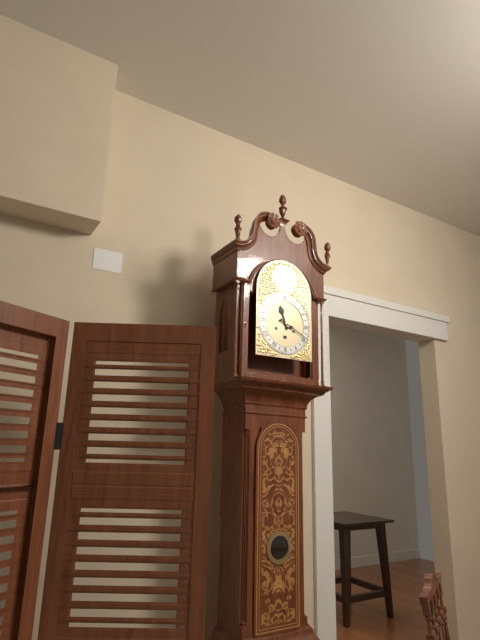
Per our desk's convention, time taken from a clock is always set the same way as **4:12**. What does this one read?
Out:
**11:19**
